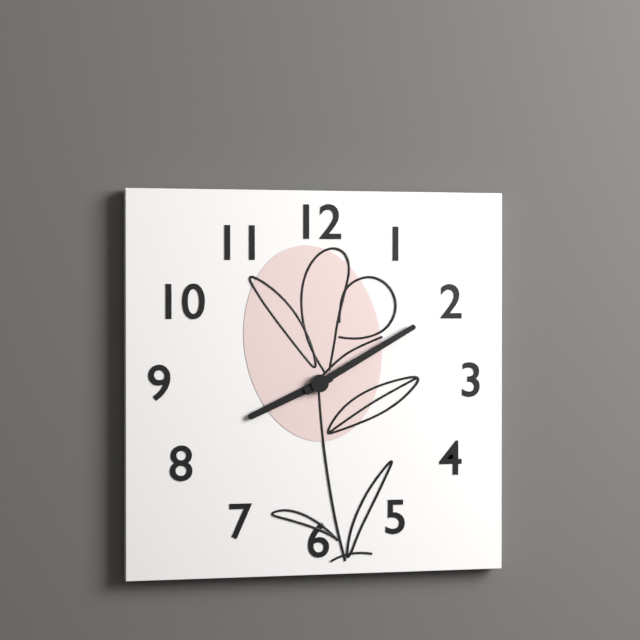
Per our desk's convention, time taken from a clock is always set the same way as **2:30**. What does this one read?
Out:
**8:10**
